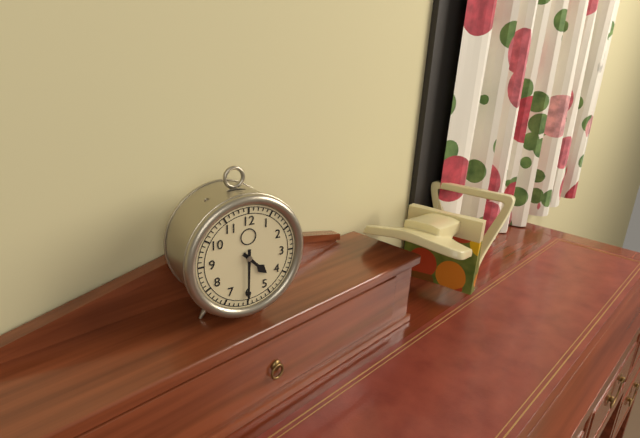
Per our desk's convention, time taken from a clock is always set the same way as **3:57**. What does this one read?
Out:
**4:30**
